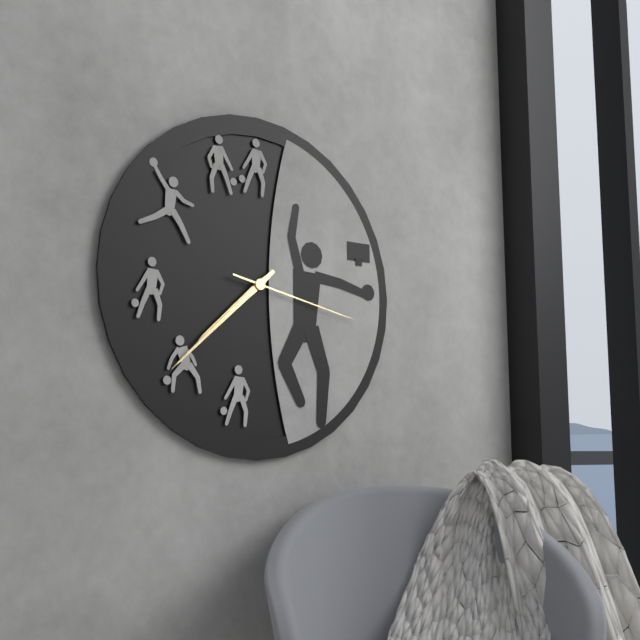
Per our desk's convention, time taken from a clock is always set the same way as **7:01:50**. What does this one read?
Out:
**7:38:17**
